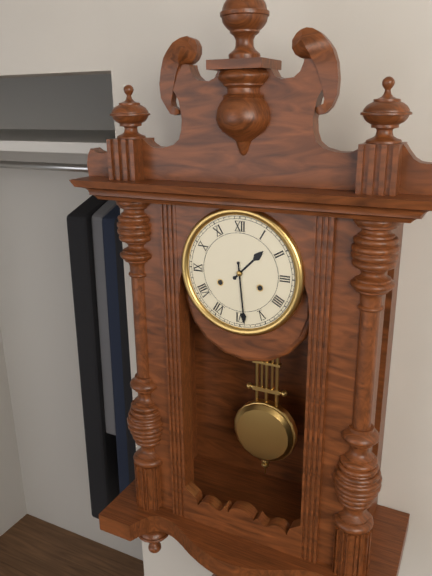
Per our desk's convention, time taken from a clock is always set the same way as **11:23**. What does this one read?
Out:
**1:29**
